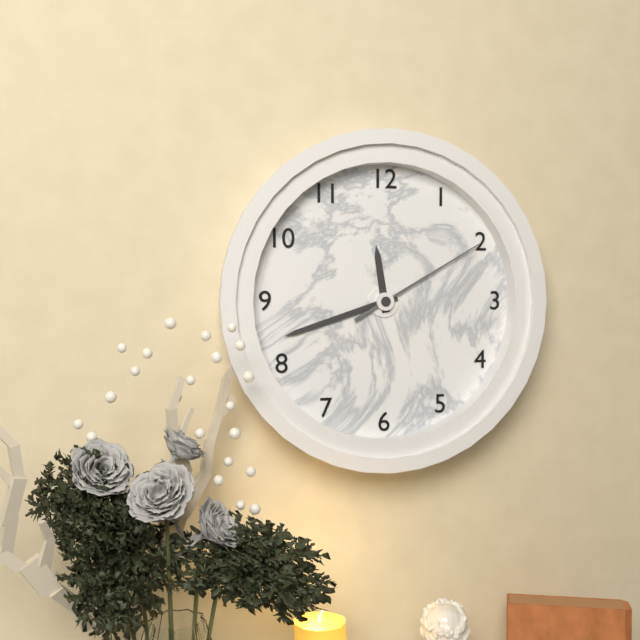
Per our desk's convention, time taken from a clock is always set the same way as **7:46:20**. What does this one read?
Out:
**11:42:10**
